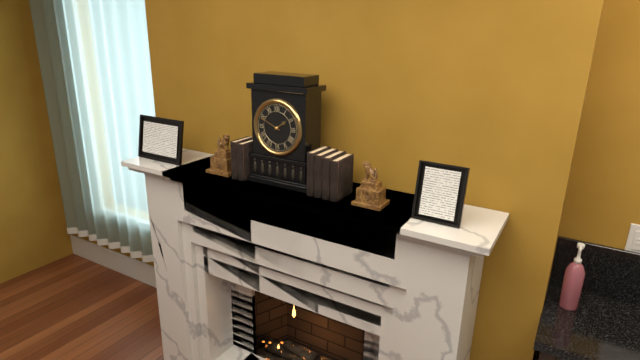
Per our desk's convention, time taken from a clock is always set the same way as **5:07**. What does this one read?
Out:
**1:49**
